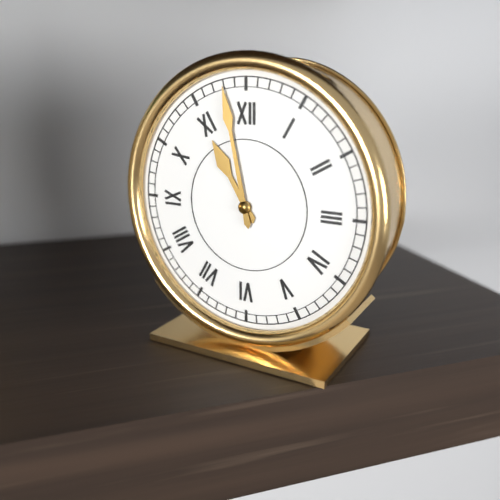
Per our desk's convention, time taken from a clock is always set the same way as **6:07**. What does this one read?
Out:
**10:58**
